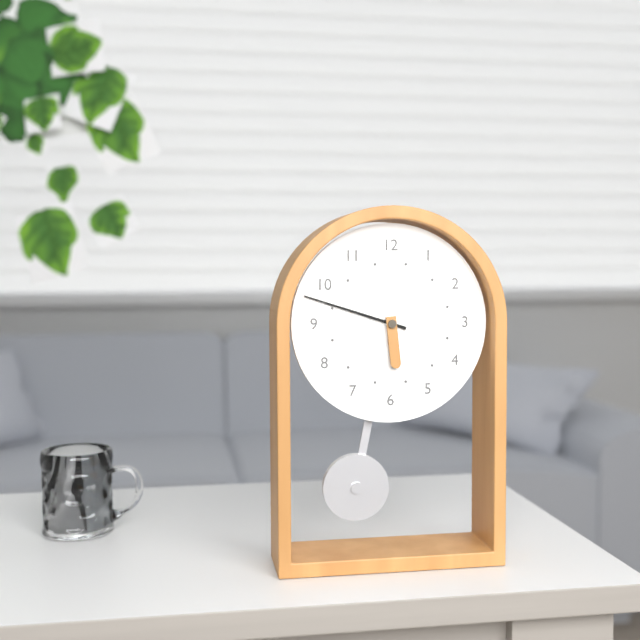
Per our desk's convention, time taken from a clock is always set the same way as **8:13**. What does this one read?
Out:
**5:48**
